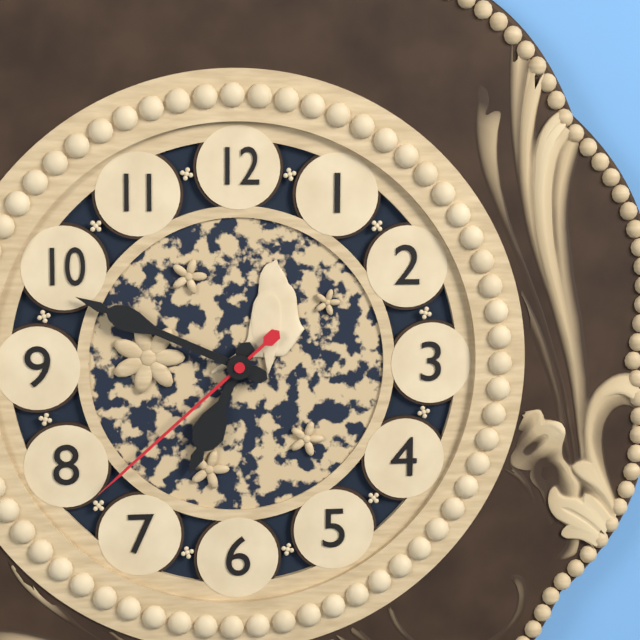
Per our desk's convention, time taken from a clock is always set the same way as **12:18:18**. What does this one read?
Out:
**6:49:38**
